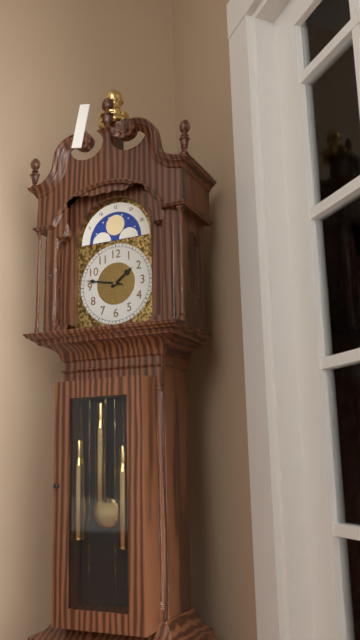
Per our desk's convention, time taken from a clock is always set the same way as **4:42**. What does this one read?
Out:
**1:47**
